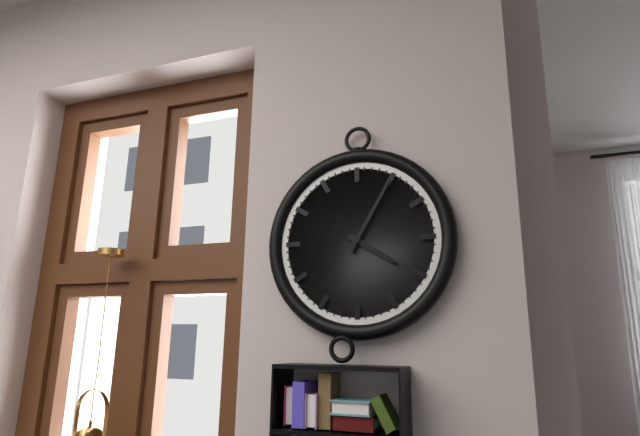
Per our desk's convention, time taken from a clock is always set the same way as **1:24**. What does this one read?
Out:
**4:05**
